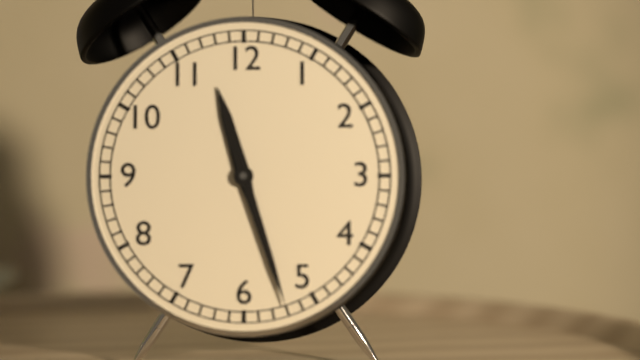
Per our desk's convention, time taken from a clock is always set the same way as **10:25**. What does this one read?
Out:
**11:27**
